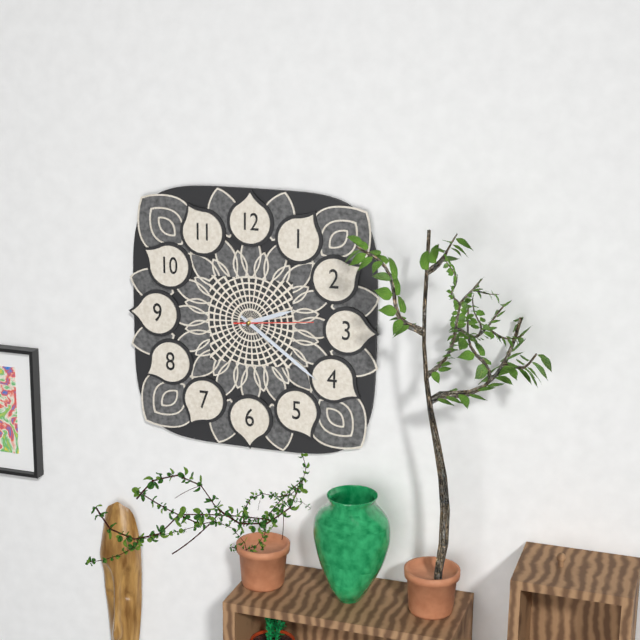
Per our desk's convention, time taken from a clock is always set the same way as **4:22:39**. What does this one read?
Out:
**2:21:14**
